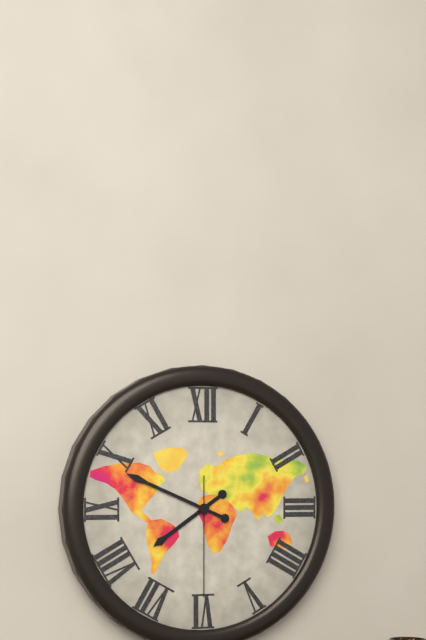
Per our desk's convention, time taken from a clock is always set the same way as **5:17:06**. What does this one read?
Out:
**7:49:30**
